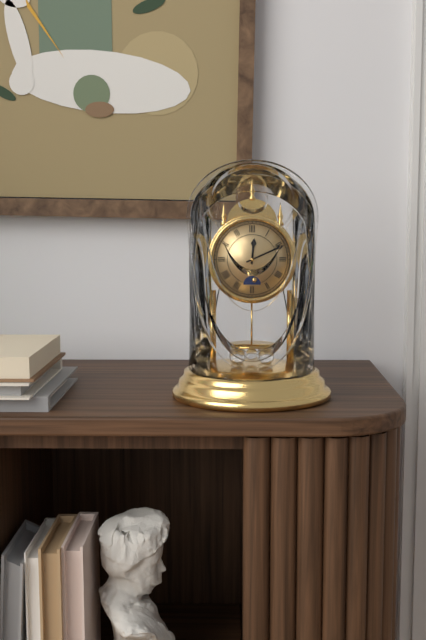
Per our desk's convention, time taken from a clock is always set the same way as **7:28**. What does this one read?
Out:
**12:11**
